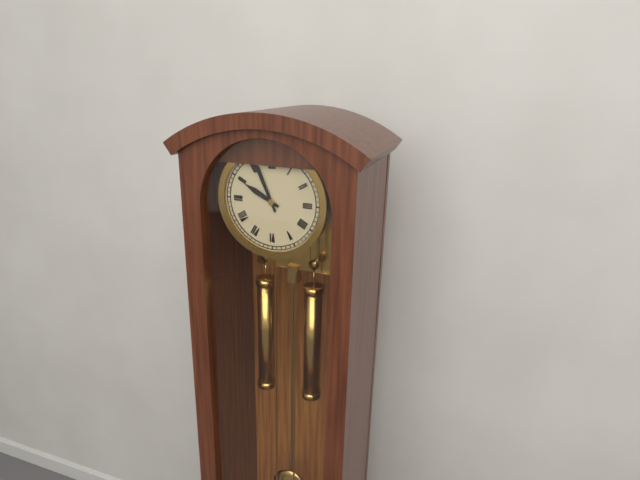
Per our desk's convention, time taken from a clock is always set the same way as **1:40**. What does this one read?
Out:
**9:56**
